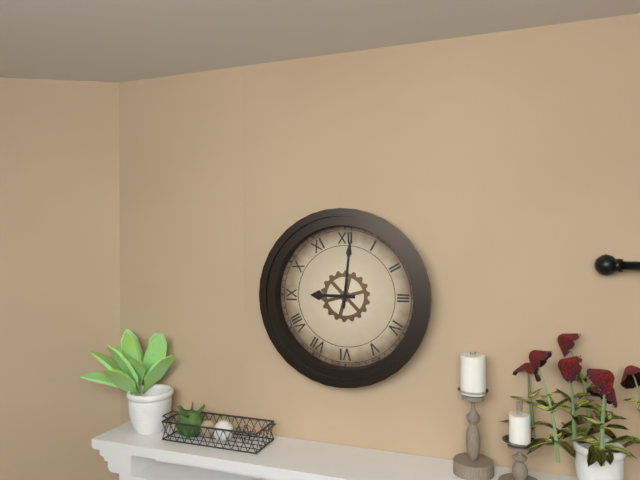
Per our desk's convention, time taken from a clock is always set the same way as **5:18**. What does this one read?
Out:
**9:01**
